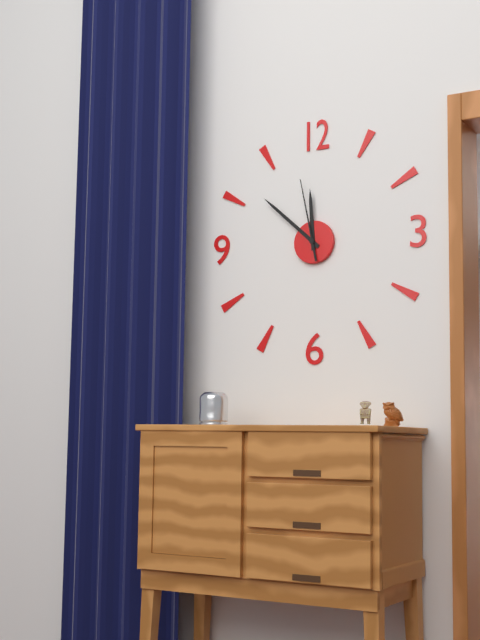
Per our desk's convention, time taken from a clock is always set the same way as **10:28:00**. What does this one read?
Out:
**11:52:58**
